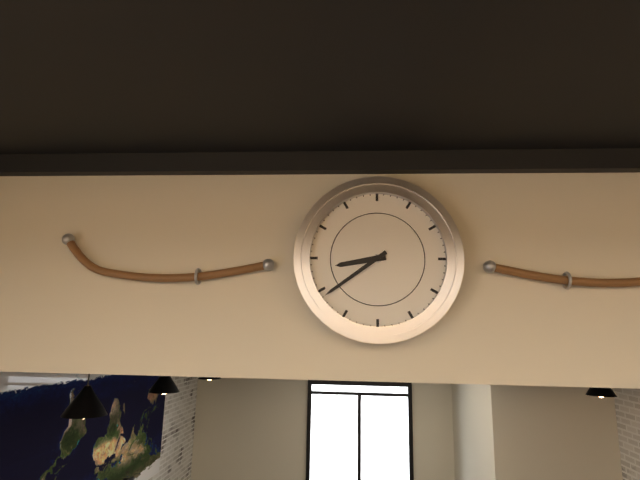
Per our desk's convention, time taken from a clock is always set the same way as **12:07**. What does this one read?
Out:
**8:39**
